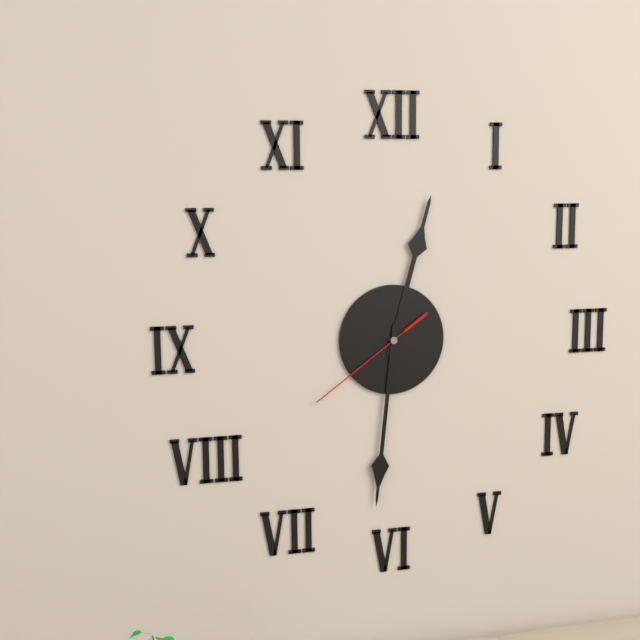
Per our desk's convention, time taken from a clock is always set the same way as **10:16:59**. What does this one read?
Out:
**12:31:39**
